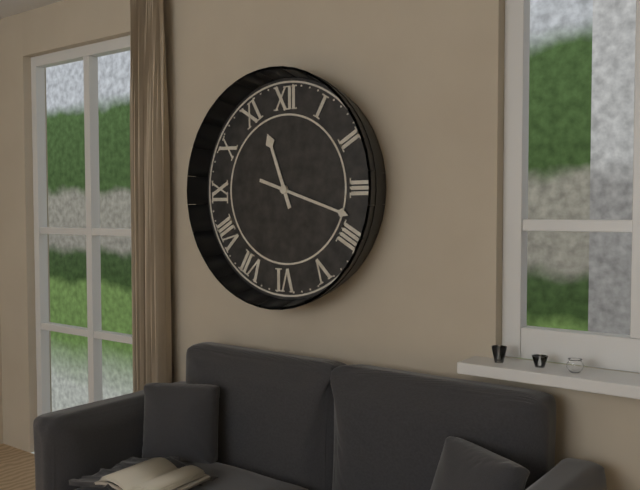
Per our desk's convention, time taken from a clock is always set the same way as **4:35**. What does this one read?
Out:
**11:18**
